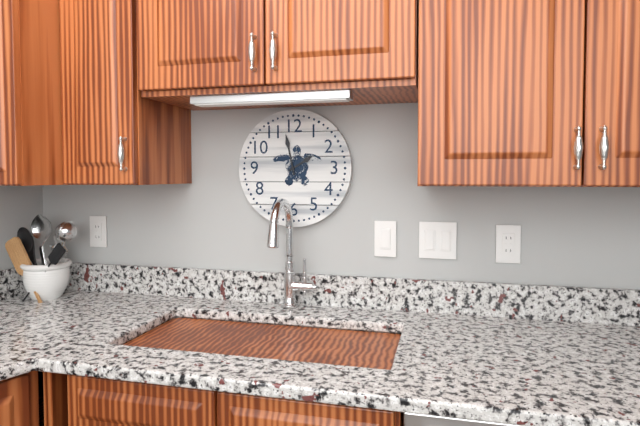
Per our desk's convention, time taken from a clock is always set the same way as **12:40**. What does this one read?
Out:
**1:58**
